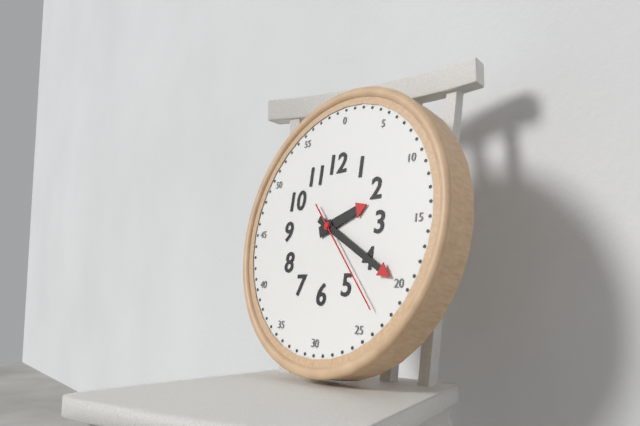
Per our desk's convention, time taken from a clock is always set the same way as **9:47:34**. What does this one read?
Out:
**2:20:23**
